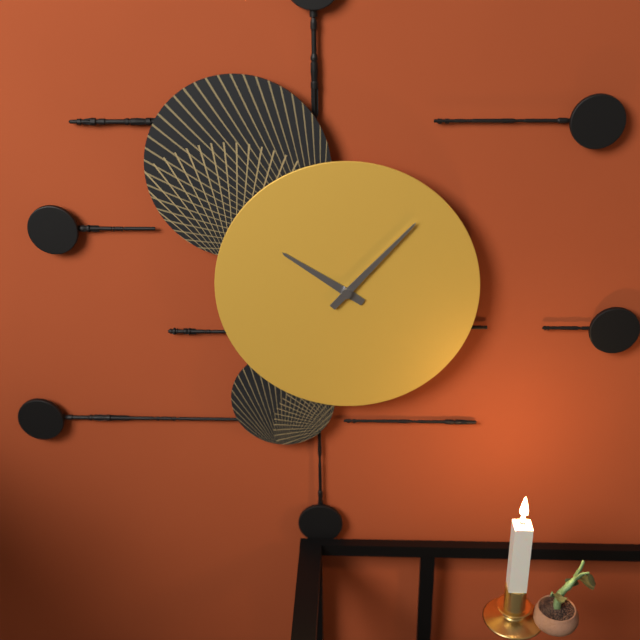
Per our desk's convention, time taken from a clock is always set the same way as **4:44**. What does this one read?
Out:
**10:07**
